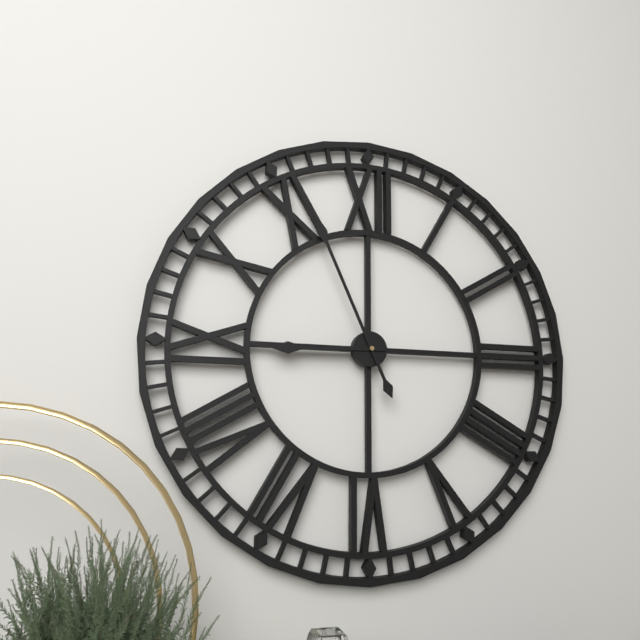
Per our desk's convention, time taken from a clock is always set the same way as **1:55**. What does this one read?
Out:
**8:56**
